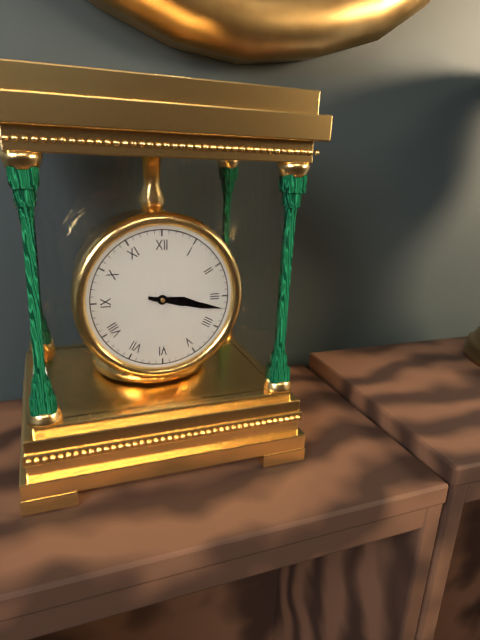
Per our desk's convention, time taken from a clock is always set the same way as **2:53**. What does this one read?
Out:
**3:17**
